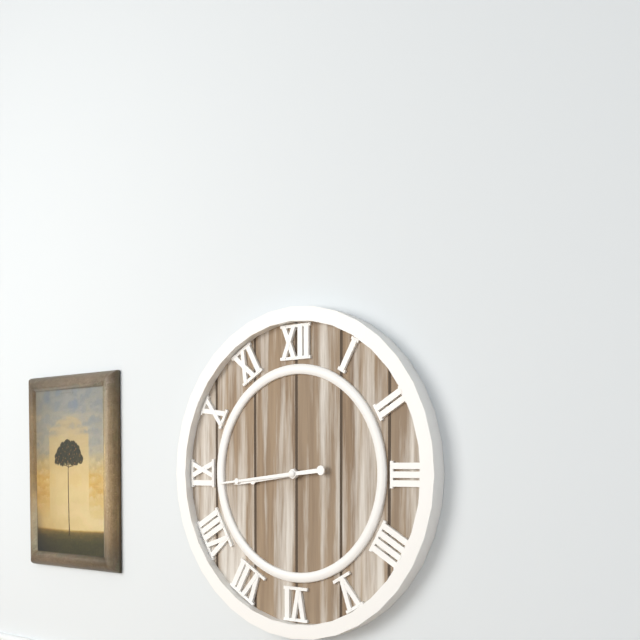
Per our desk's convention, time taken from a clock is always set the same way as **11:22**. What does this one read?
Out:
**8:44**
